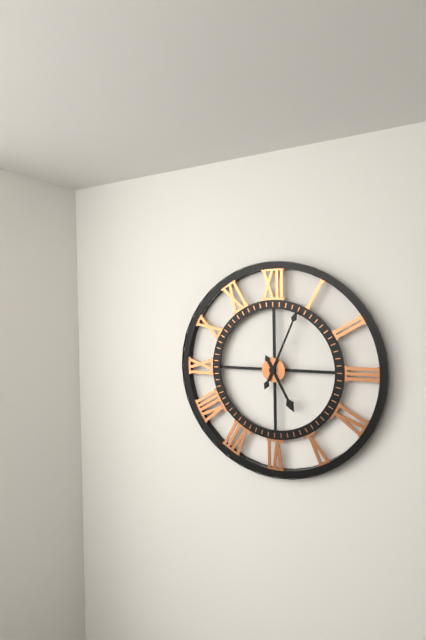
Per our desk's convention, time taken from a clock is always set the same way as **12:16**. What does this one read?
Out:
**5:04**
